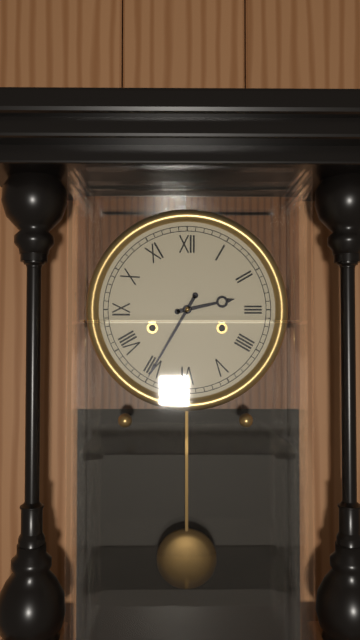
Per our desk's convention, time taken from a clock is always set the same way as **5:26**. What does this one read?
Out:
**2:35**
